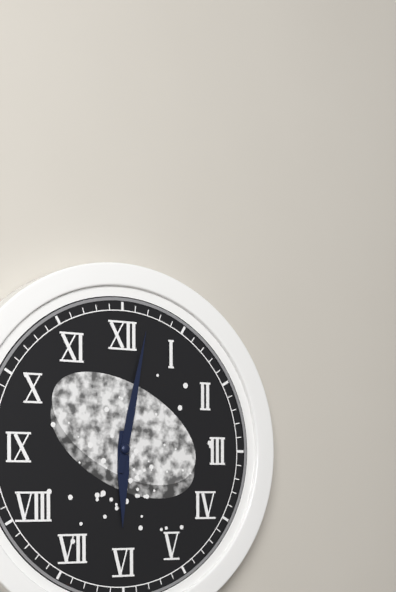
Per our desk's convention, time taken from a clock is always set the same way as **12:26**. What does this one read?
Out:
**6:02**
